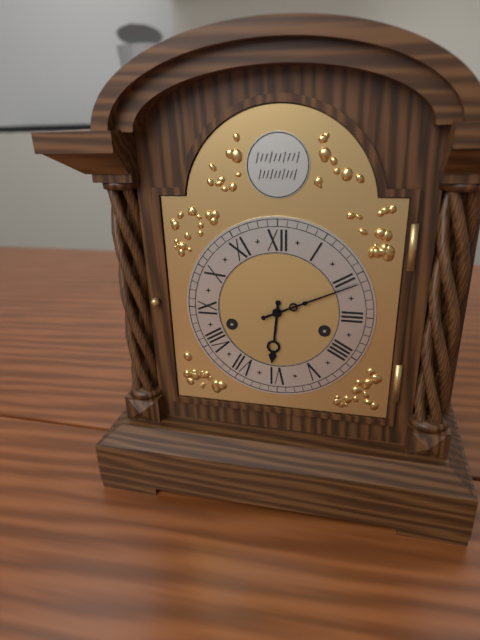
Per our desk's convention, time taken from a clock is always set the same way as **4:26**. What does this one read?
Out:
**6:11**
